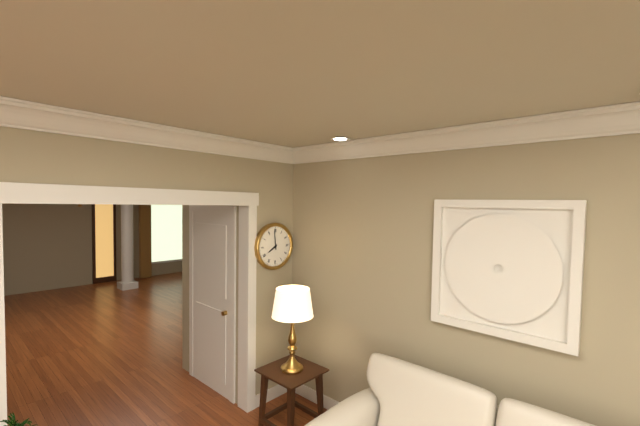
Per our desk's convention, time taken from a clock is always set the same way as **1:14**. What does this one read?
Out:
**7:59**
